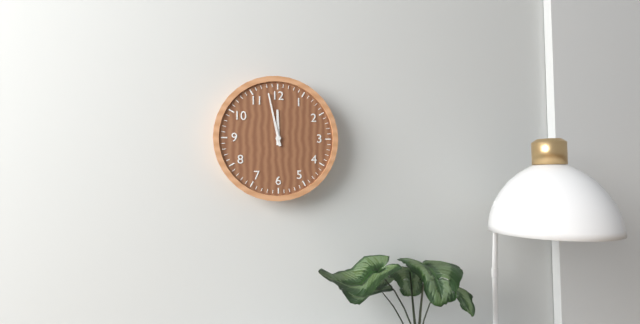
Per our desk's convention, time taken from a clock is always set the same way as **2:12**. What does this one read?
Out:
**11:58**
